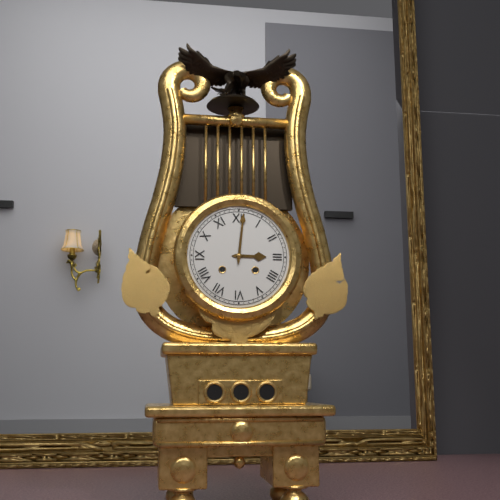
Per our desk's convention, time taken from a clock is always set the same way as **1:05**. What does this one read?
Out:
**3:01**
